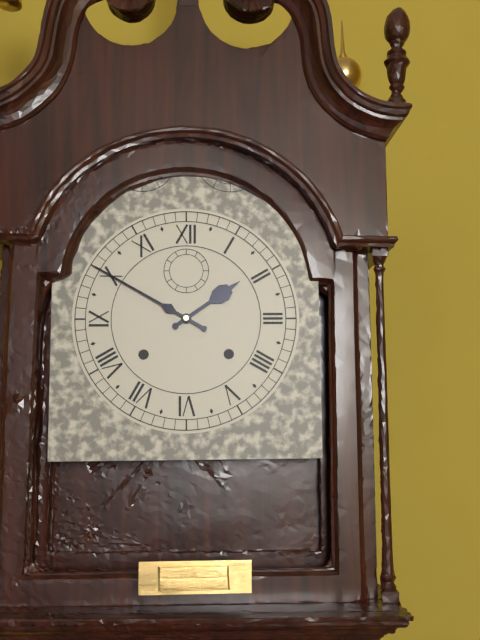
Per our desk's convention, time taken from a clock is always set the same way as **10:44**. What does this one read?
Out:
**1:50**
